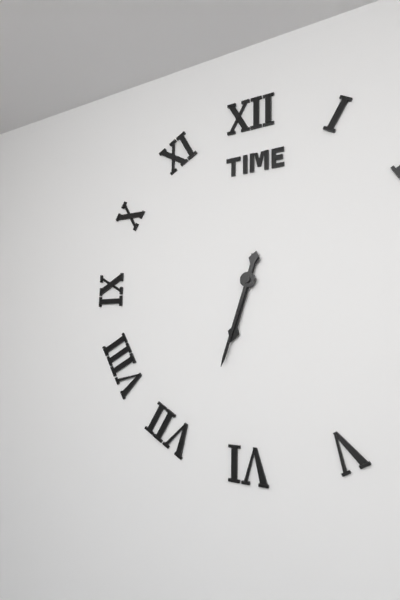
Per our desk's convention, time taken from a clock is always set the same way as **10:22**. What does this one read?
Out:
**6:33**
